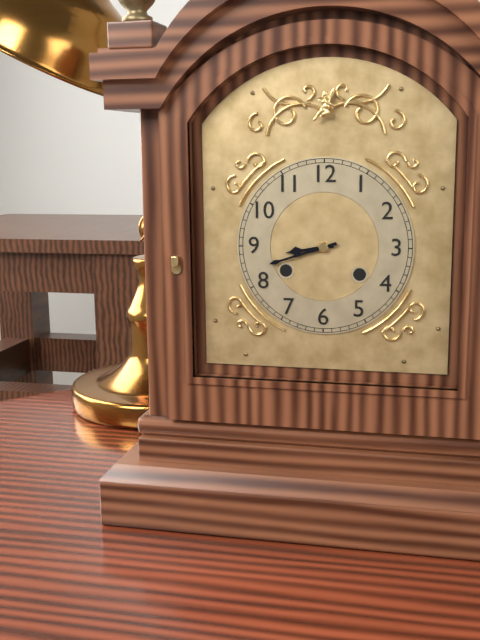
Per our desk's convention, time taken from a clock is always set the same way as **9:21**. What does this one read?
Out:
**8:42**
